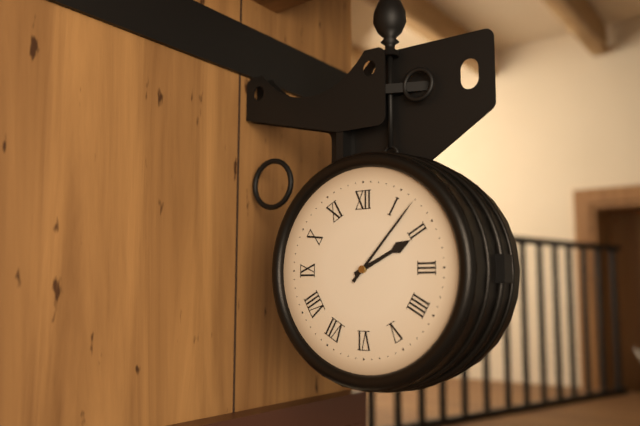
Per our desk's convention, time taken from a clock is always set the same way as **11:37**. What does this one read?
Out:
**2:07**
